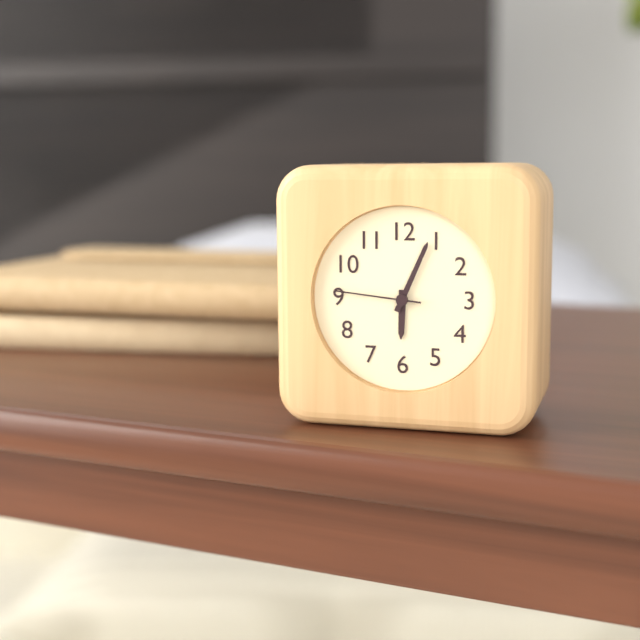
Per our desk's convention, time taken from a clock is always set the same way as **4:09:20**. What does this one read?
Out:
**6:04:46**
